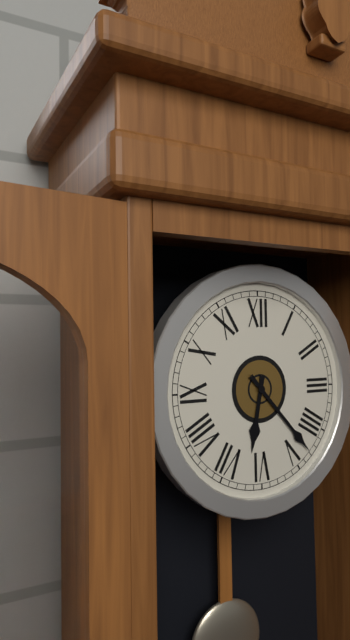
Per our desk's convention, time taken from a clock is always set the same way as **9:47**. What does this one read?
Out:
**6:23**
